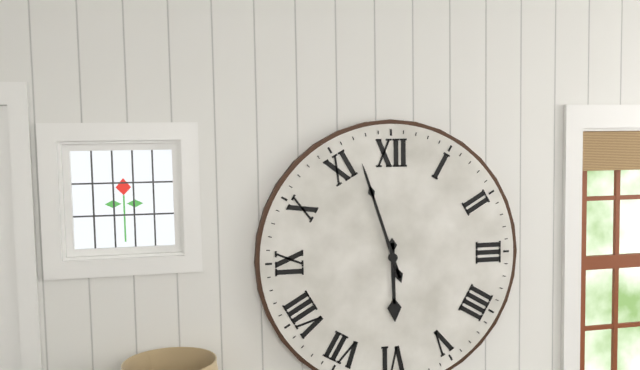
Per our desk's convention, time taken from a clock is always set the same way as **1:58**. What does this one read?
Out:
**5:57**
